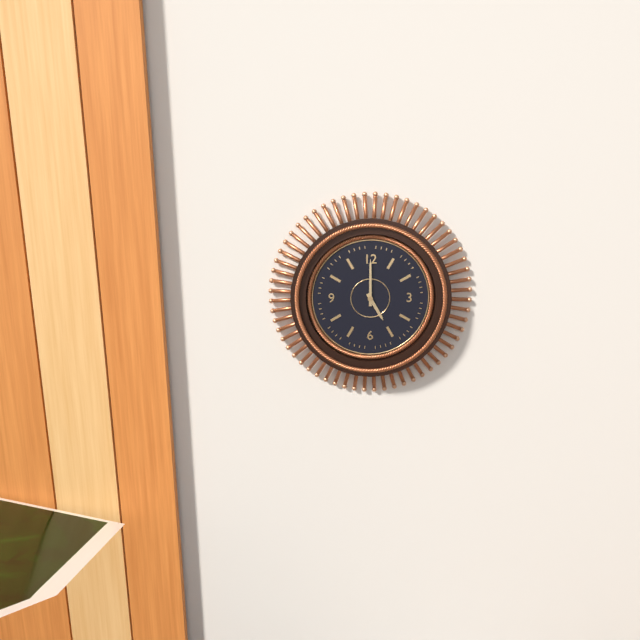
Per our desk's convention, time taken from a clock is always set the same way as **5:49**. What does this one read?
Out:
**5:00**
